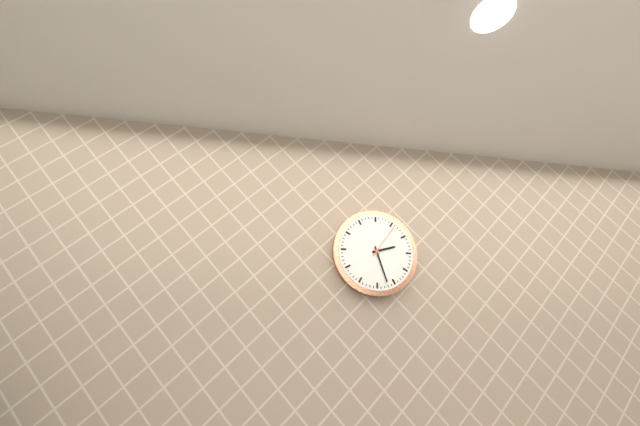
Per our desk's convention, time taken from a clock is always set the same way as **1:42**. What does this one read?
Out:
**2:27**
